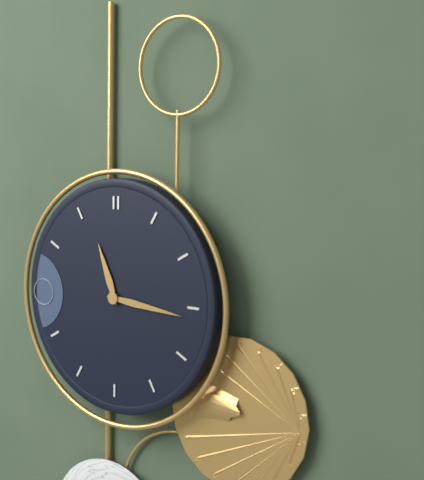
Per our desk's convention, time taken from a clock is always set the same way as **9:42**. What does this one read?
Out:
**11:16**
